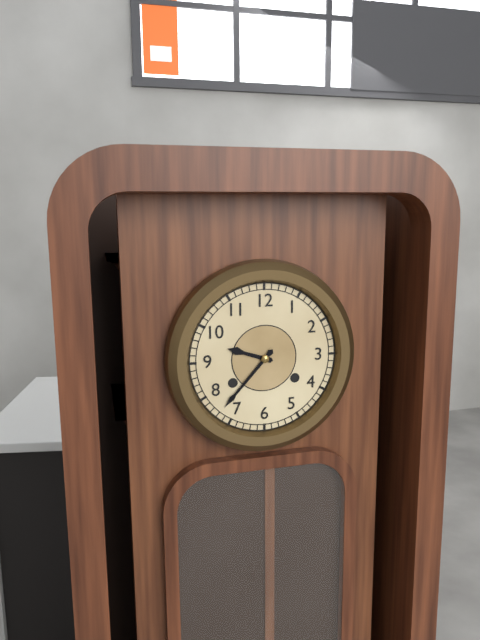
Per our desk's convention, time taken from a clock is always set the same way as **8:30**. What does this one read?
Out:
**9:37**
